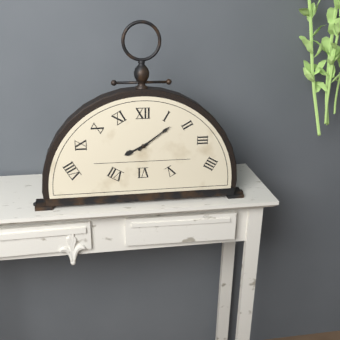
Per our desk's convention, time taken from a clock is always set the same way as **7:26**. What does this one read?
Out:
**8:09**
